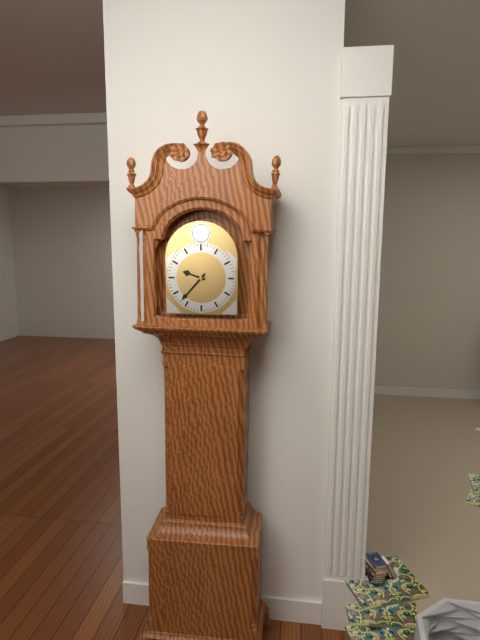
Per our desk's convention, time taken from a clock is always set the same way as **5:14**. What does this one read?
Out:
**9:37**
